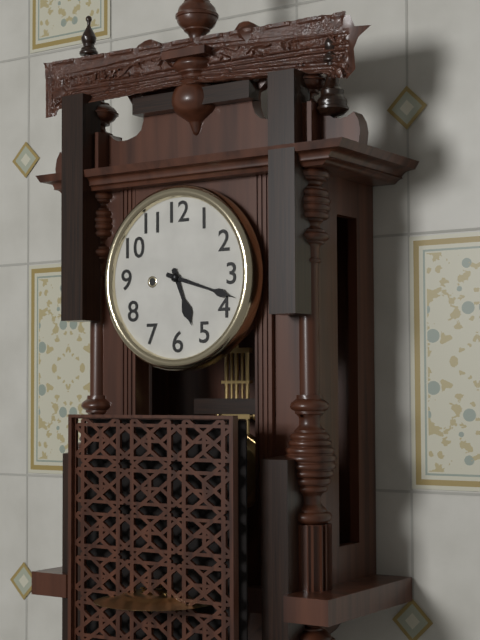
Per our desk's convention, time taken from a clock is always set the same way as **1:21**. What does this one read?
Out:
**5:18**
